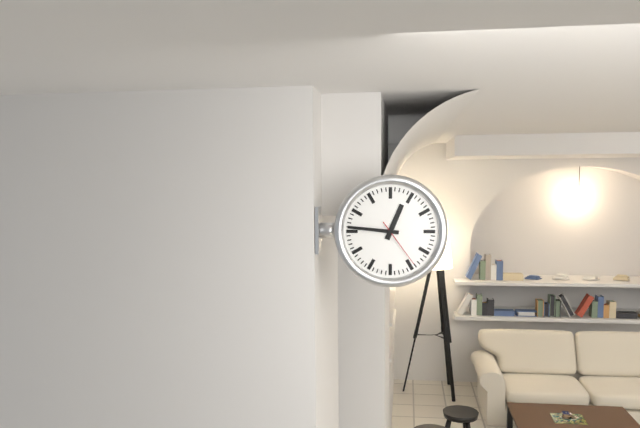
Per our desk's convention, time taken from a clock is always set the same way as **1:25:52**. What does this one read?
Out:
**12:46:24**
